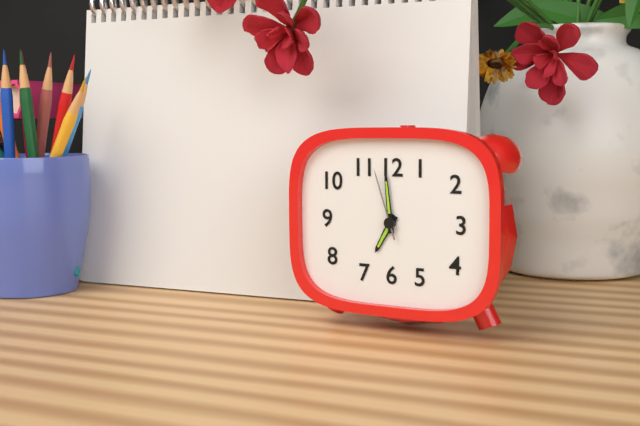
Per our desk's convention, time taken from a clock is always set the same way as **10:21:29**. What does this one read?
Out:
**6:59:57**
